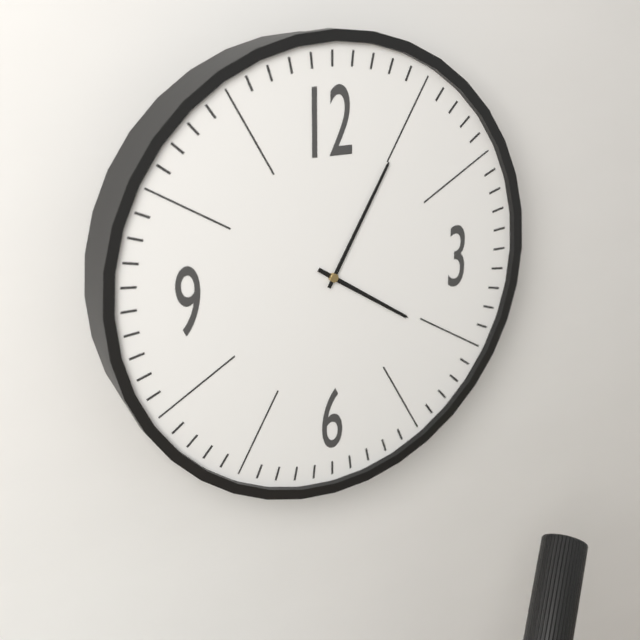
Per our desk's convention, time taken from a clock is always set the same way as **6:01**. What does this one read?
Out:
**4:05**
